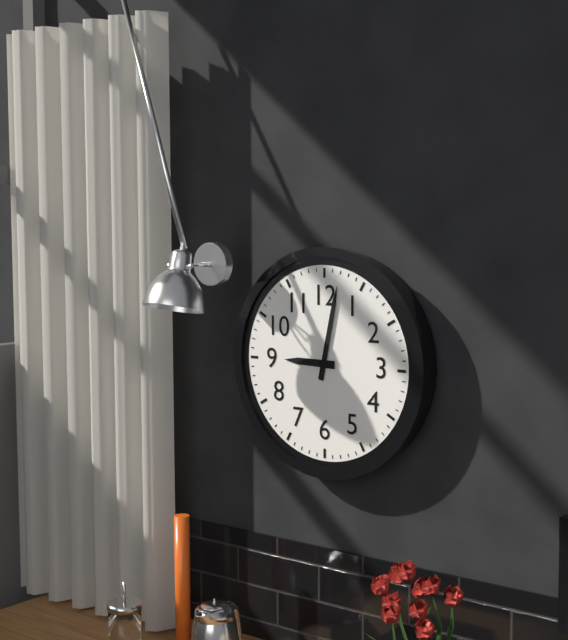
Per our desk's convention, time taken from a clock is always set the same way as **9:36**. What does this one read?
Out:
**9:02**
